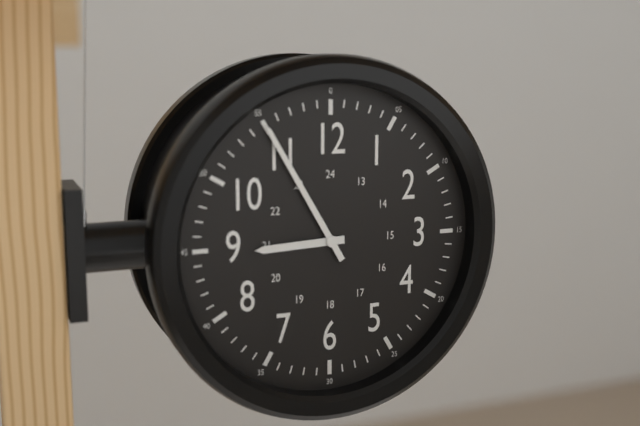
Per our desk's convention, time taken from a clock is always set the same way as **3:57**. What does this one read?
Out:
**8:55**
